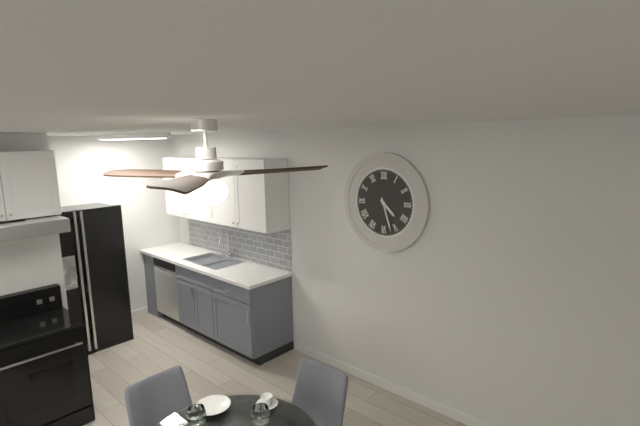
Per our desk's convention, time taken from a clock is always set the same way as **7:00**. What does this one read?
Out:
**4:27**
